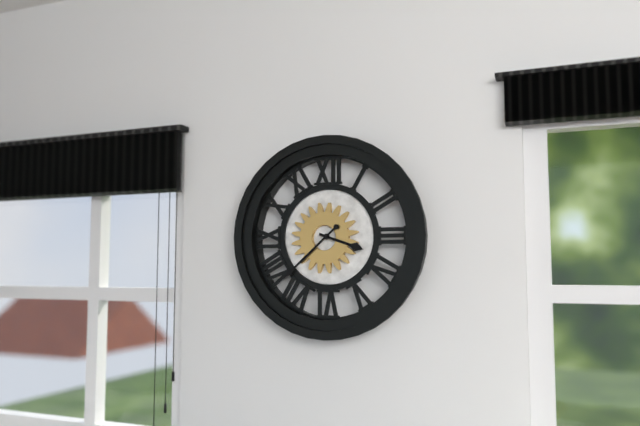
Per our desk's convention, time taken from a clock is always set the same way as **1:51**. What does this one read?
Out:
**3:38**
